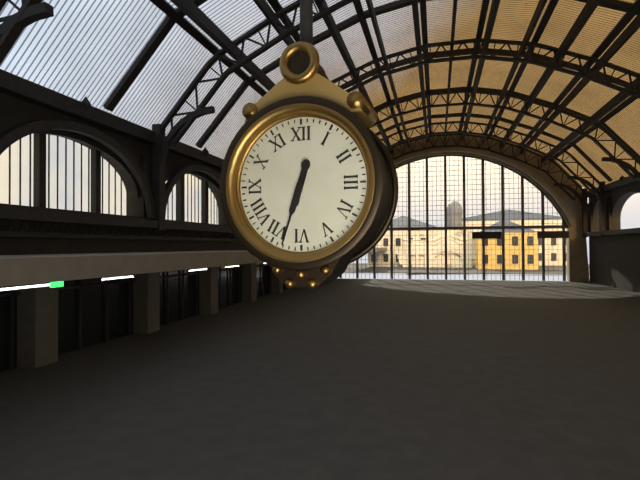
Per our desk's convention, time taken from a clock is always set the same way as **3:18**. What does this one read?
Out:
**12:33**
